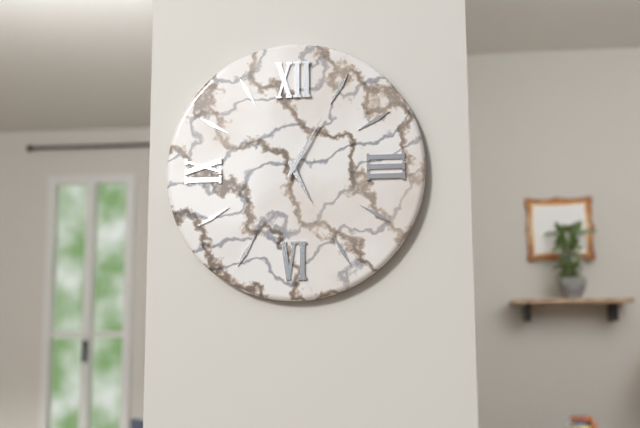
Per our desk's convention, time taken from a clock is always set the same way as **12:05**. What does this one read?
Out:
**5:05**
